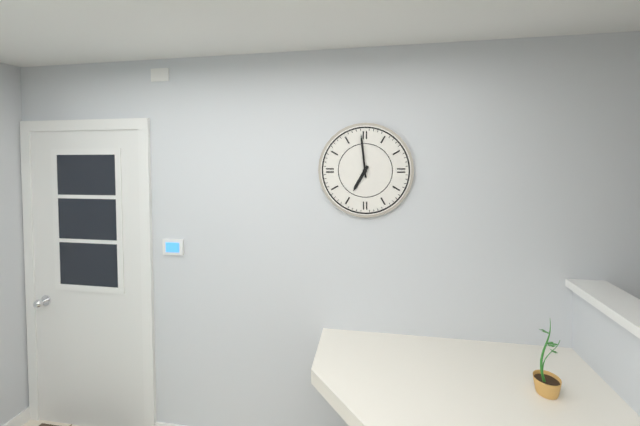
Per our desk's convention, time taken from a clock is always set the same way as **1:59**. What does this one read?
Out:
**6:59**
